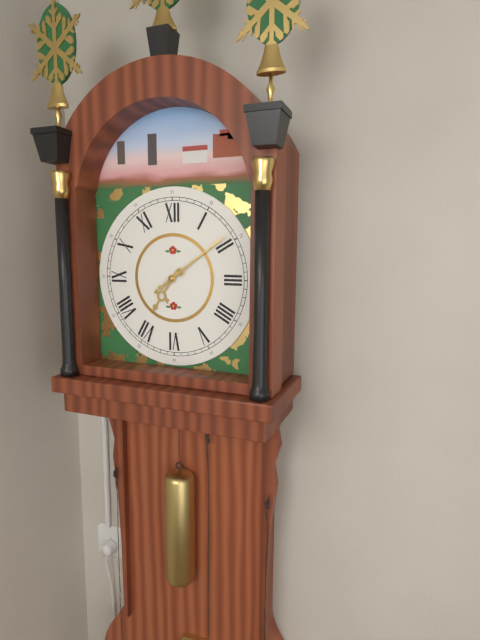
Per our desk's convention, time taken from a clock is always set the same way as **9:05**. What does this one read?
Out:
**7:09**
